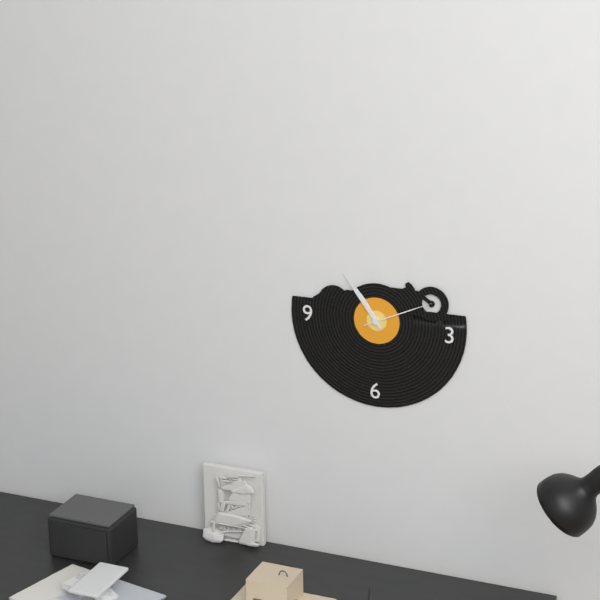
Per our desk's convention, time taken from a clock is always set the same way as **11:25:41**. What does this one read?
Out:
**10:54:11**
